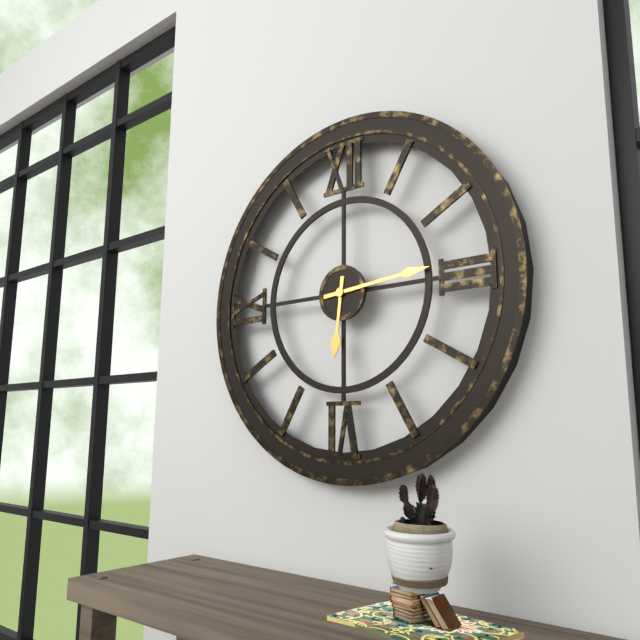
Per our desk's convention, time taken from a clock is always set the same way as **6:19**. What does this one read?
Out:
**6:14**
